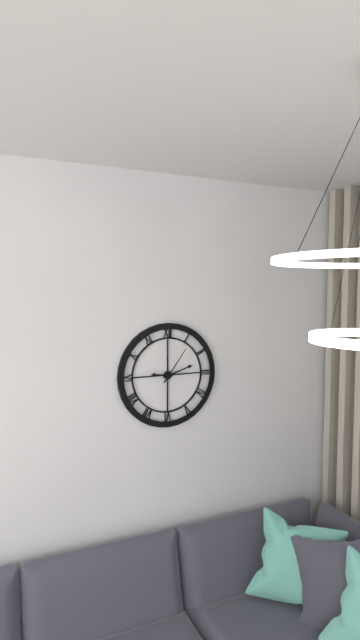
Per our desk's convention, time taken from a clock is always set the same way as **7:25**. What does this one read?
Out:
**9:12**
